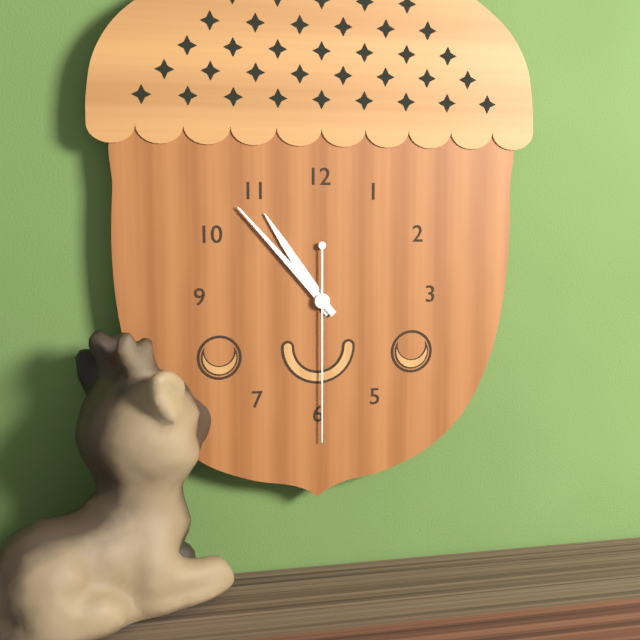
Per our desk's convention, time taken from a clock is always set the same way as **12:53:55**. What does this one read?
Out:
**10:53:30**
